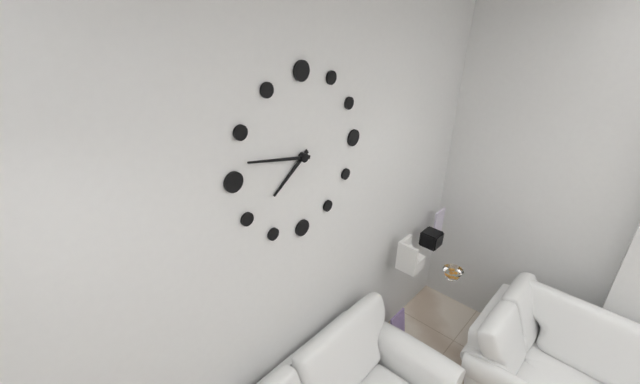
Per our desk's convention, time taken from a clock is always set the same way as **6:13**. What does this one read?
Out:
**7:47**
